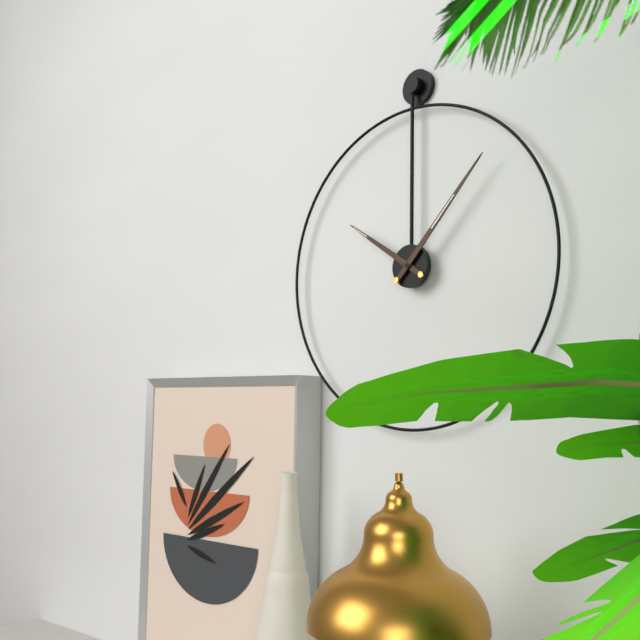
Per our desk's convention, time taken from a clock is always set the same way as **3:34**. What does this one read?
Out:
**10:07**
